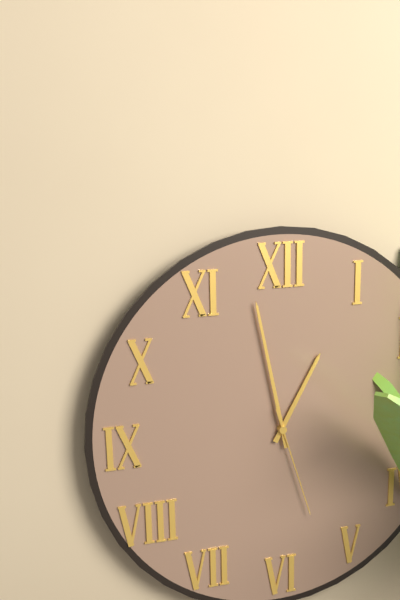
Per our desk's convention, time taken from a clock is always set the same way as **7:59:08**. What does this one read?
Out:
**12:58:27**
